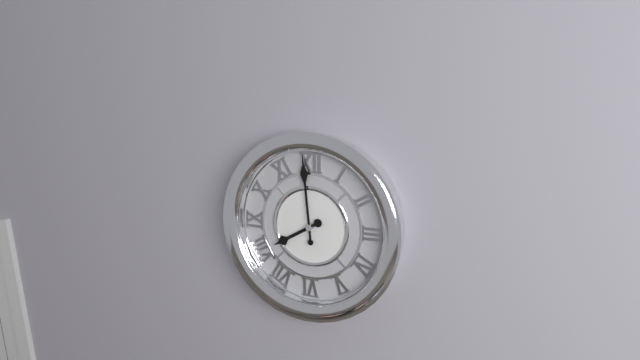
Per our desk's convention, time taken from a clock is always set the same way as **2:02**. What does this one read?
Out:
**7:59**
